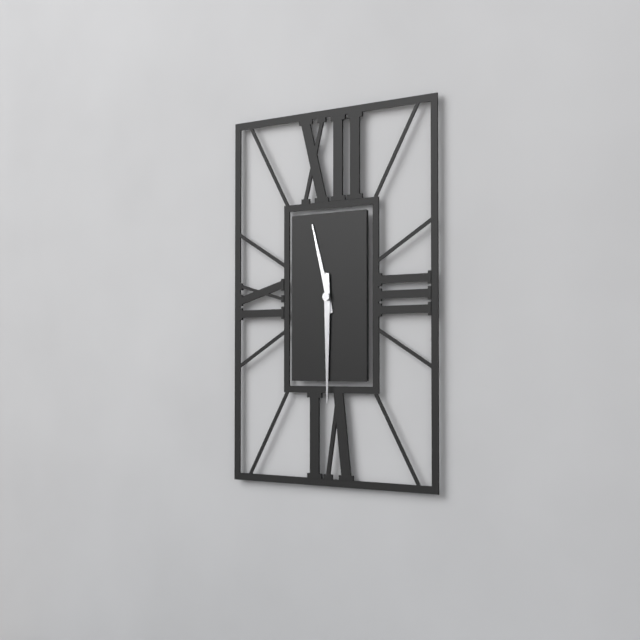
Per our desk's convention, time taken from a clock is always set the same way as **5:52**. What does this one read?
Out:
**11:30**
